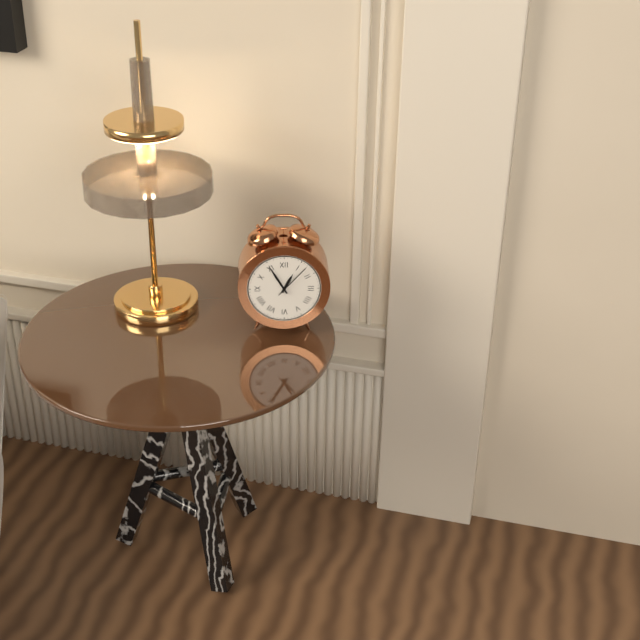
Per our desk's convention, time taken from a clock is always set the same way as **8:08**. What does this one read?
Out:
**12:55**
